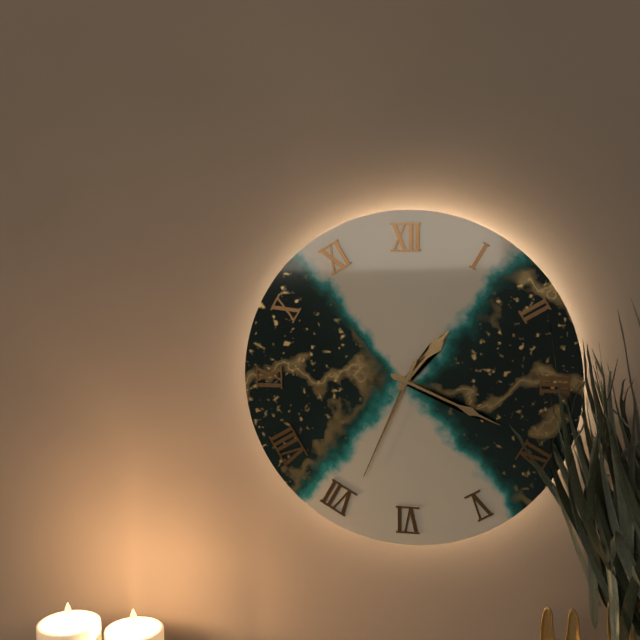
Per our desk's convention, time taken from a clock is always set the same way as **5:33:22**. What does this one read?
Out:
**1:19:34**
